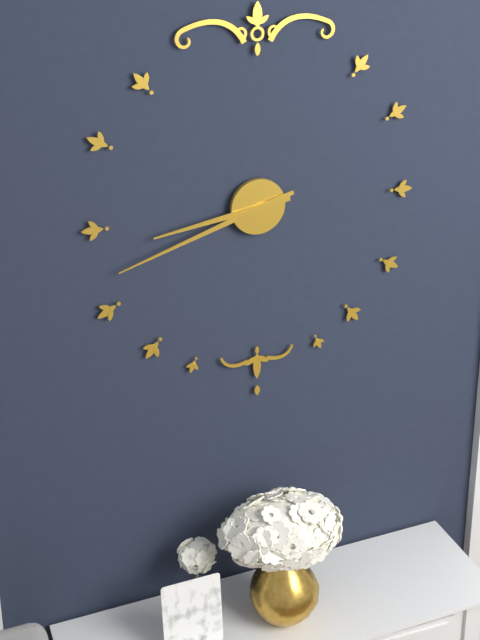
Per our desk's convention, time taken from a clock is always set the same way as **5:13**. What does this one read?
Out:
**8:42**
